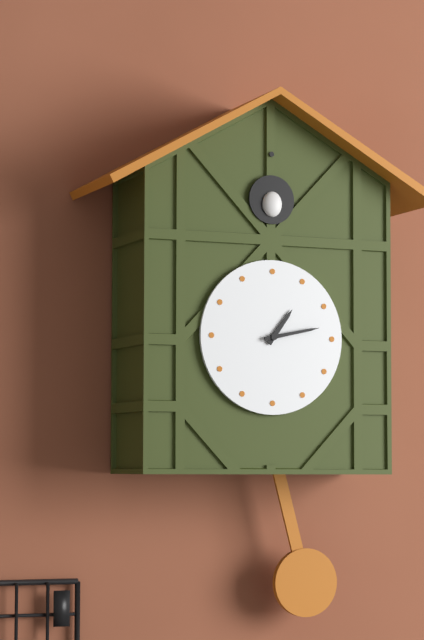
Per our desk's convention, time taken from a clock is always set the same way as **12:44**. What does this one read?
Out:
**1:13**
